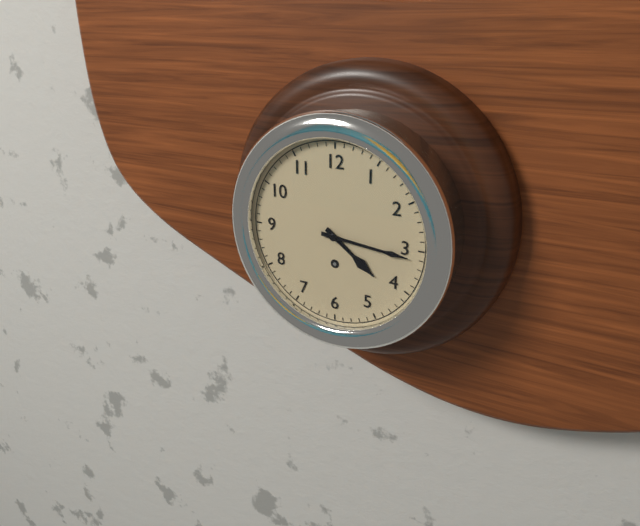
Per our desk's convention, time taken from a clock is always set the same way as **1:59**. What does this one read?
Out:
**4:16**
